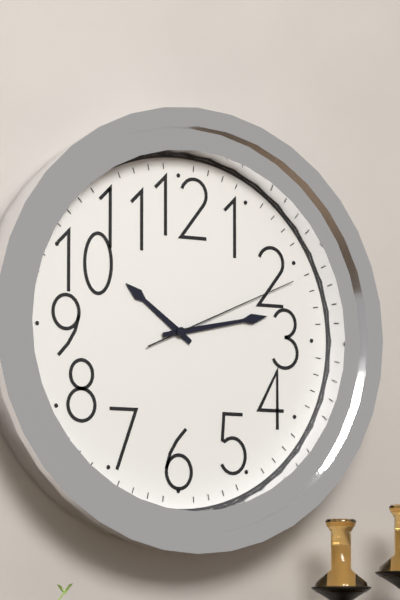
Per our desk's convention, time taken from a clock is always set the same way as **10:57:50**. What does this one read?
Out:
**10:13:11**
